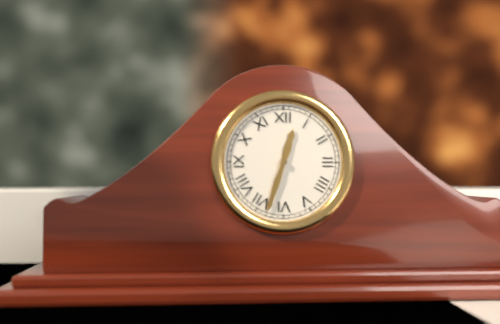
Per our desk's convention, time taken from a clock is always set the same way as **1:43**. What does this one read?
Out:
**12:33**
